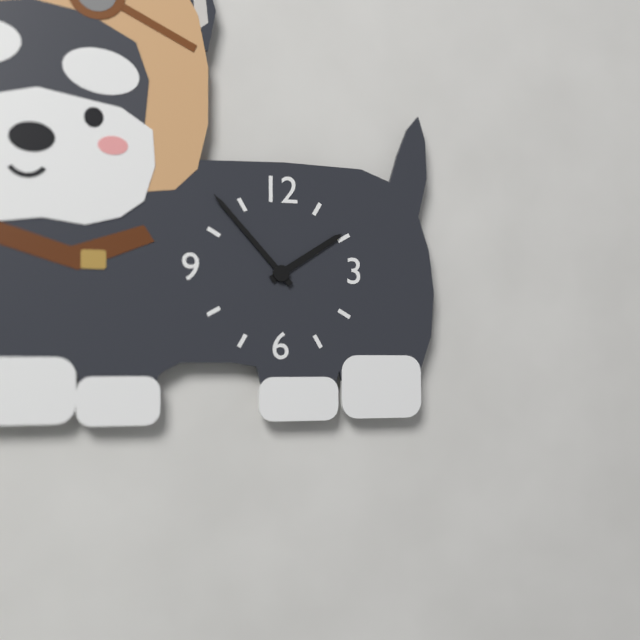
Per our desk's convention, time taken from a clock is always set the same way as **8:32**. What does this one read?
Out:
**1:53**
